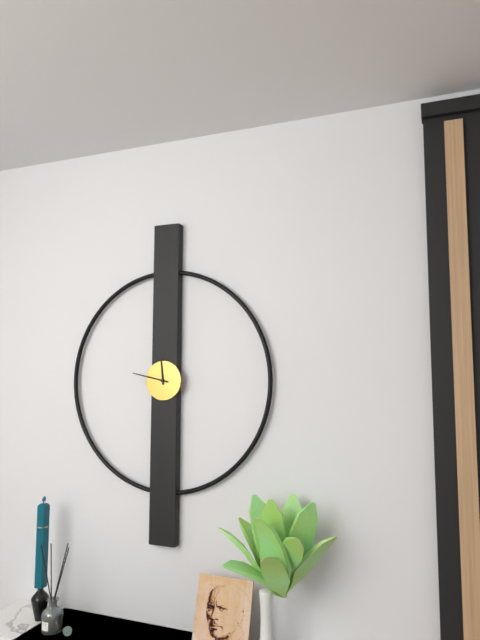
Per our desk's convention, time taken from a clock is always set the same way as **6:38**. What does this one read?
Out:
**11:47**
